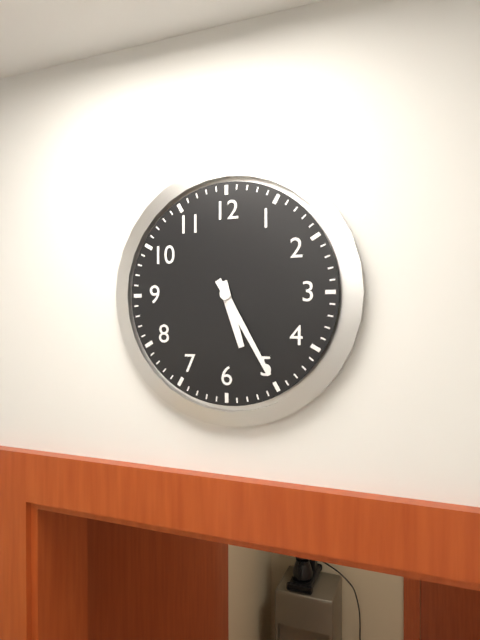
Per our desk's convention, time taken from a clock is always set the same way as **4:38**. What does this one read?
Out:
**5:25**
